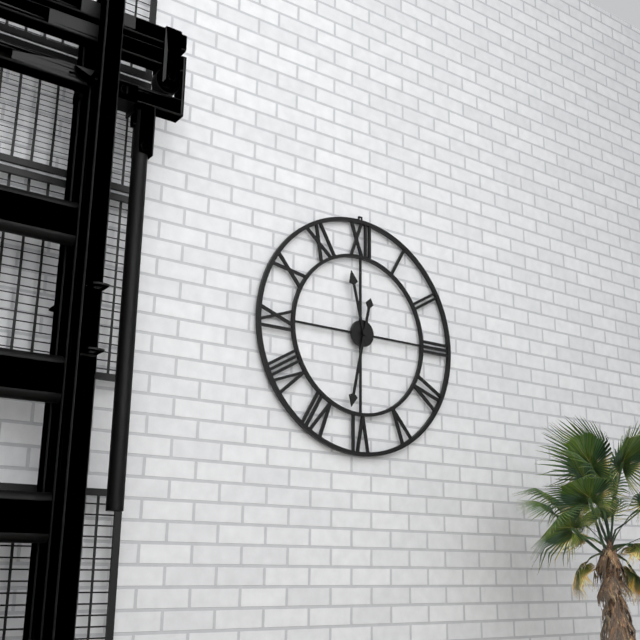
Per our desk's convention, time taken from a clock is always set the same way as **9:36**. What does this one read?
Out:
**11:32**
